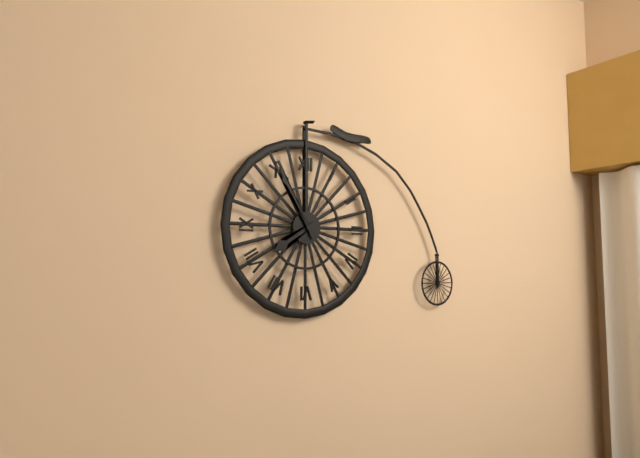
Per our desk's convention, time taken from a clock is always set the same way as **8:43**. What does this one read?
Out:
**7:55**
